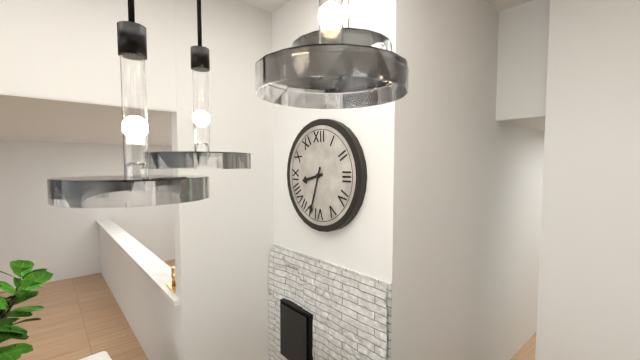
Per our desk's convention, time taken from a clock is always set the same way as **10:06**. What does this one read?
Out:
**8:33**
